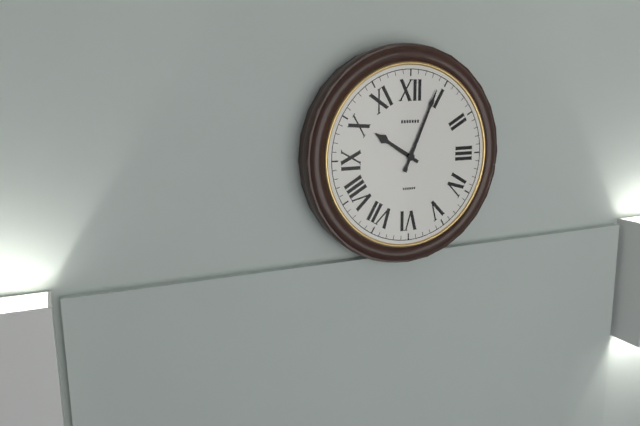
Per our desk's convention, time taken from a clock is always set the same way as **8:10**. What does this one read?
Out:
**10:04**
